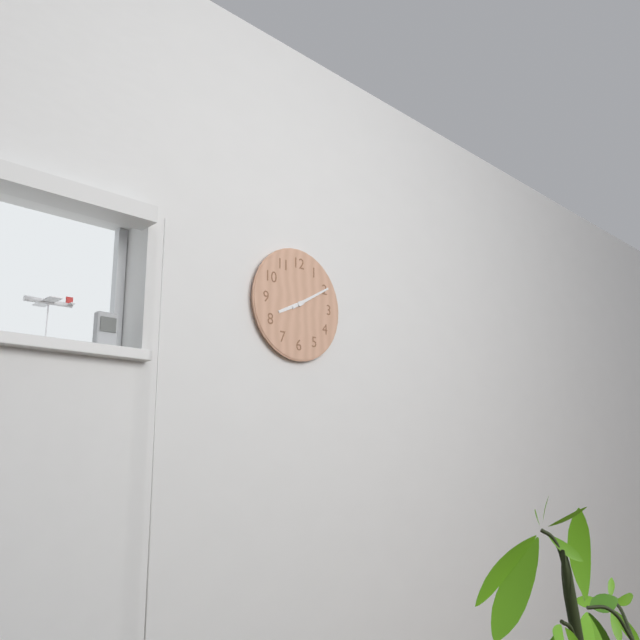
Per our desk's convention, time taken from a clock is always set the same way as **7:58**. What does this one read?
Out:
**8:10**
